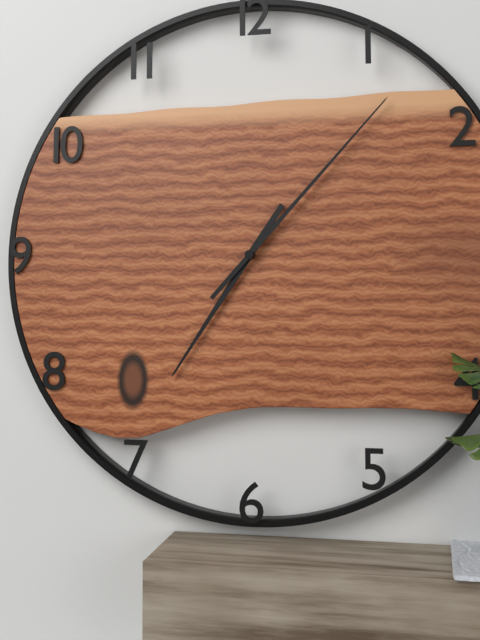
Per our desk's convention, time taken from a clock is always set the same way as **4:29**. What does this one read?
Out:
**7:07**
